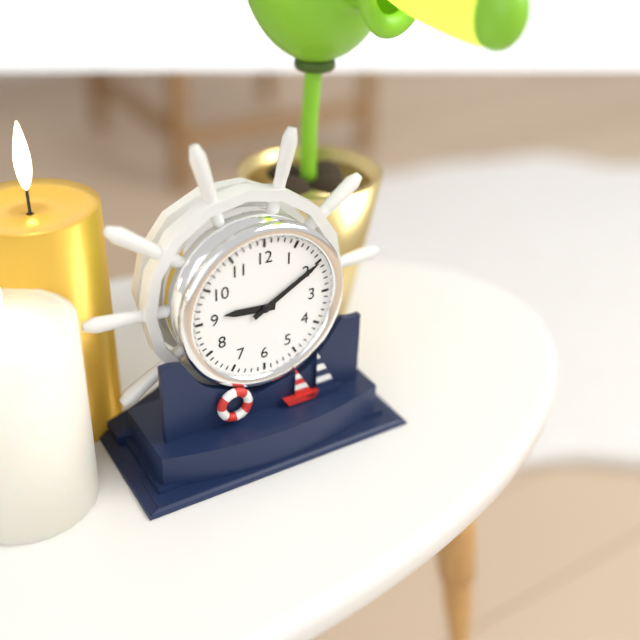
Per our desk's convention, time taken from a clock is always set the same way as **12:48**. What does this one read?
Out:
**9:10**
